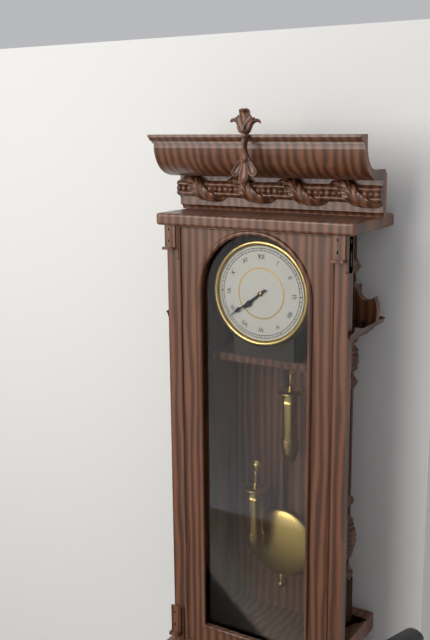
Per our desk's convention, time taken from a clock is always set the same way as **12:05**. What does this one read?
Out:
**7:39**
